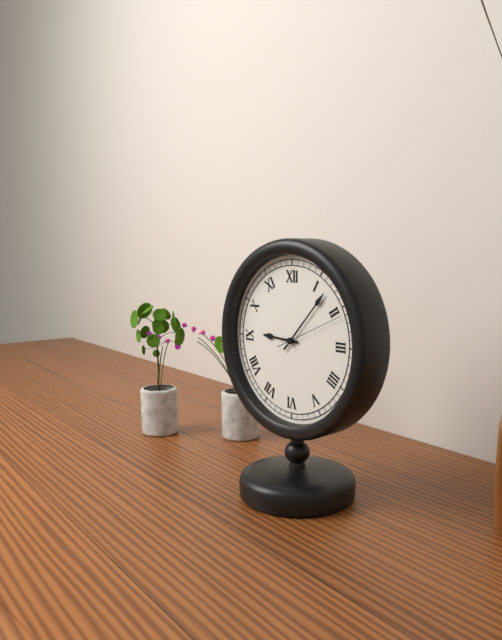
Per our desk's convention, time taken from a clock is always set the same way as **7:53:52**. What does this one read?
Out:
**9:07:11**
